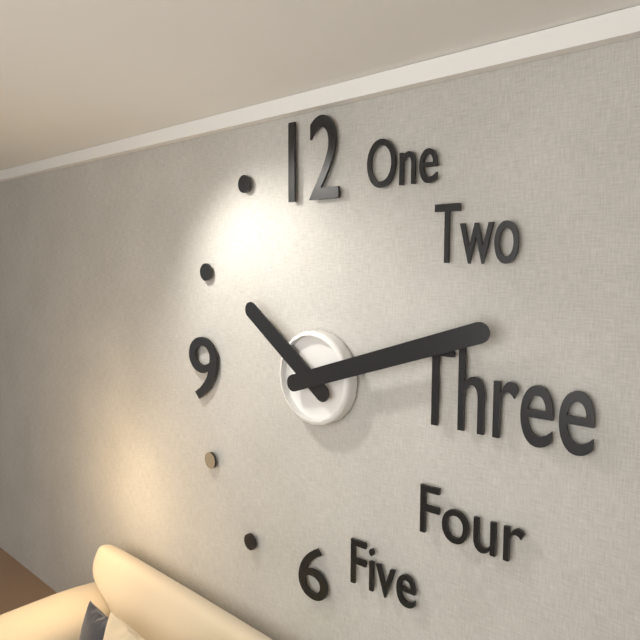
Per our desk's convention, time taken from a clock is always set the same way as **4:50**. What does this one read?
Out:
**10:12**
